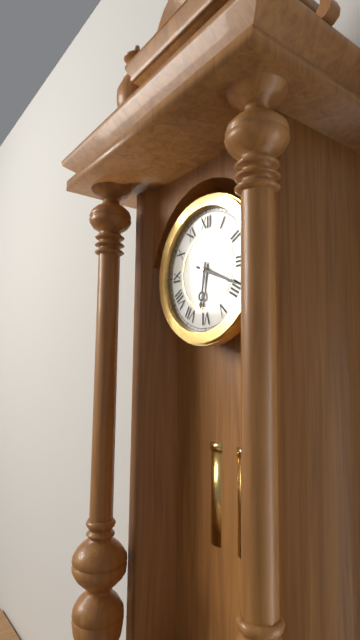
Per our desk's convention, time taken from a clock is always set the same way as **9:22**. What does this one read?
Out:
**6:19**
